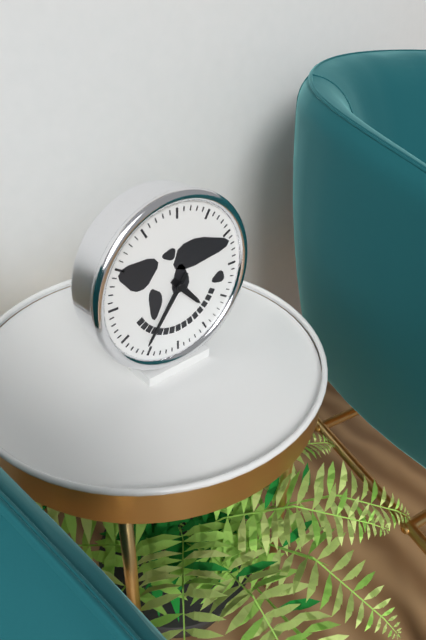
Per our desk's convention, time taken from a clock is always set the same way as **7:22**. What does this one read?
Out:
**4:36**
